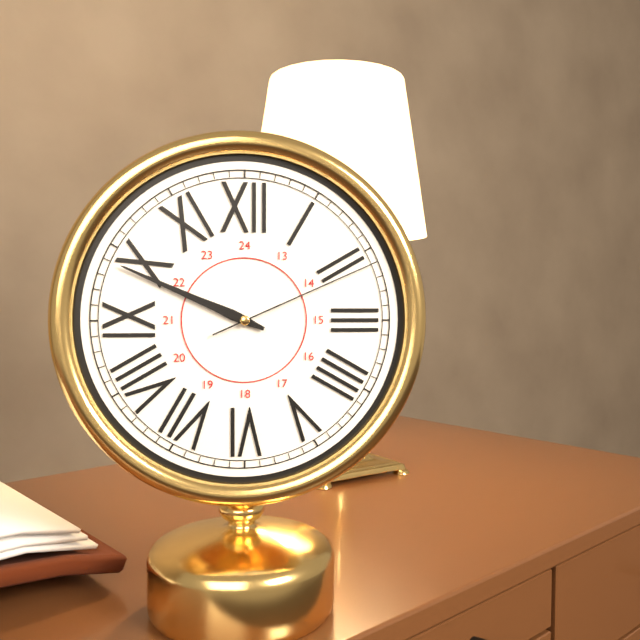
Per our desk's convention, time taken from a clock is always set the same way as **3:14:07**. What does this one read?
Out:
**9:49:11**
